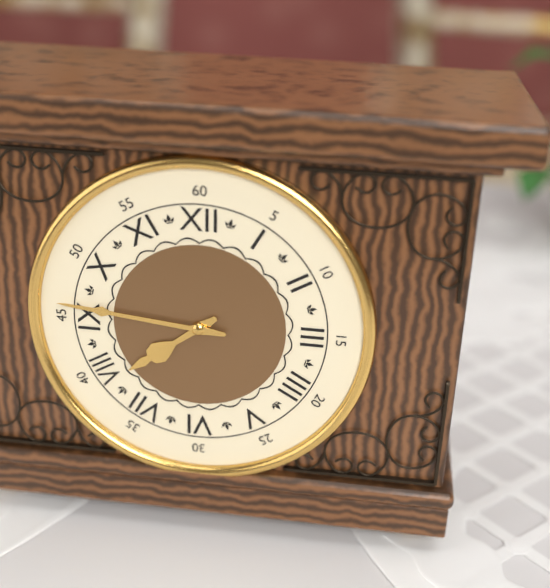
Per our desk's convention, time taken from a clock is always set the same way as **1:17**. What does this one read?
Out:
**7:46**
